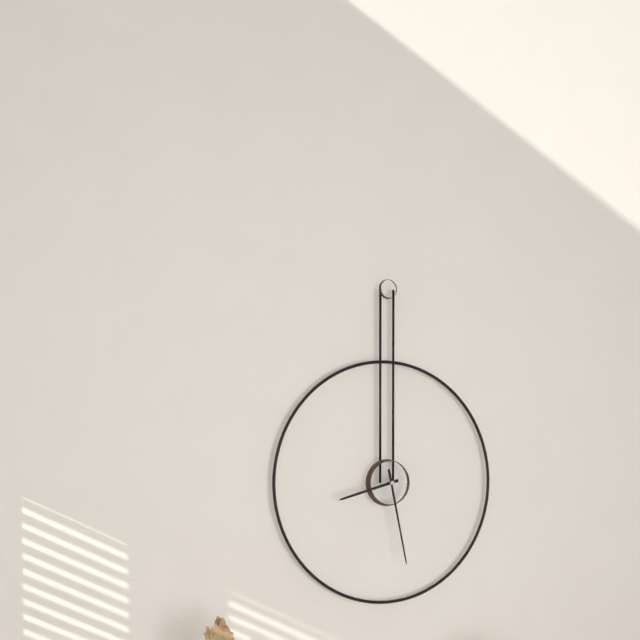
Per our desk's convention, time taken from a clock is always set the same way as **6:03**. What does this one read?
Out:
**8:28**
